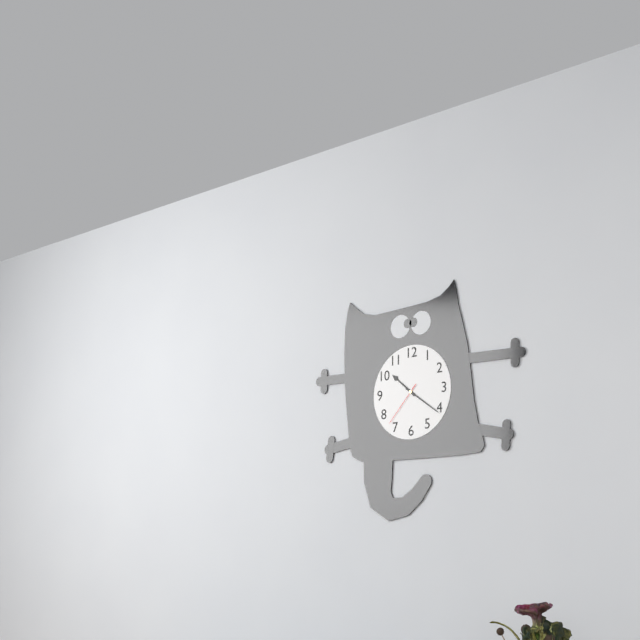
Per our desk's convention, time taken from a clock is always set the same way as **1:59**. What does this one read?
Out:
**10:21**
